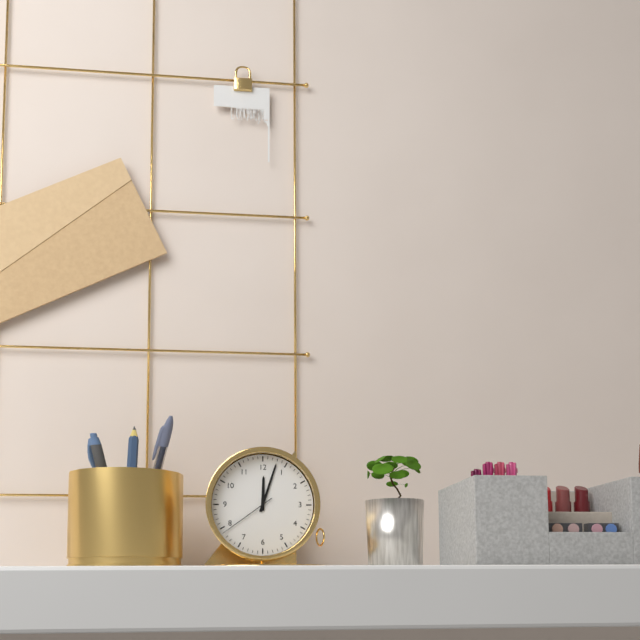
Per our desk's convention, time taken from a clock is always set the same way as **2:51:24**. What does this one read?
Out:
**12:03:39**
